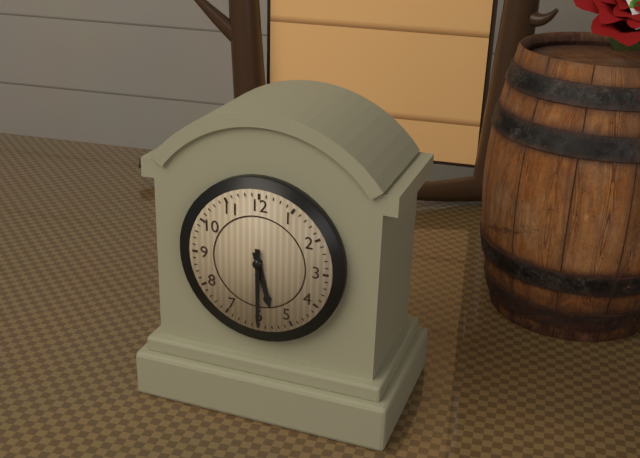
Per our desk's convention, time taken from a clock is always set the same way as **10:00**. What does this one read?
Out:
**5:30**
